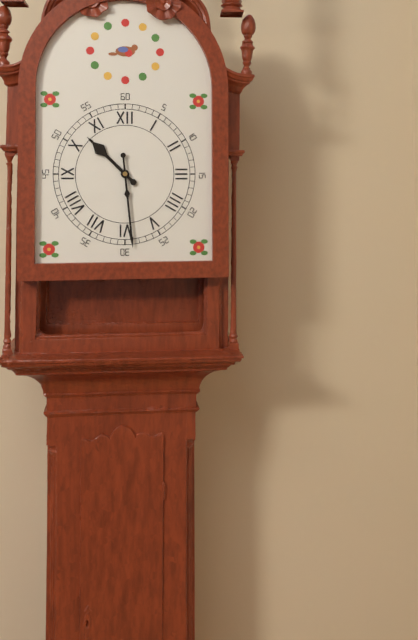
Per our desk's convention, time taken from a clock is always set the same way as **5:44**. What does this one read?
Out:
**10:29**
